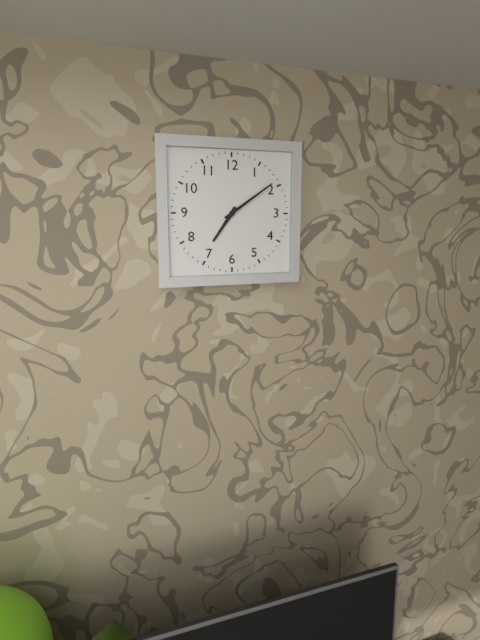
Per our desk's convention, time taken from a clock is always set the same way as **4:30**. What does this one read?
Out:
**7:09**
